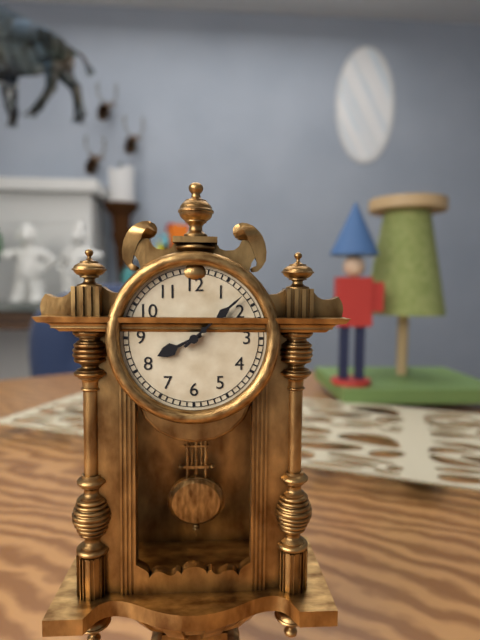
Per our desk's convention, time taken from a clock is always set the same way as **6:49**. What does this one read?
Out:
**8:08**
